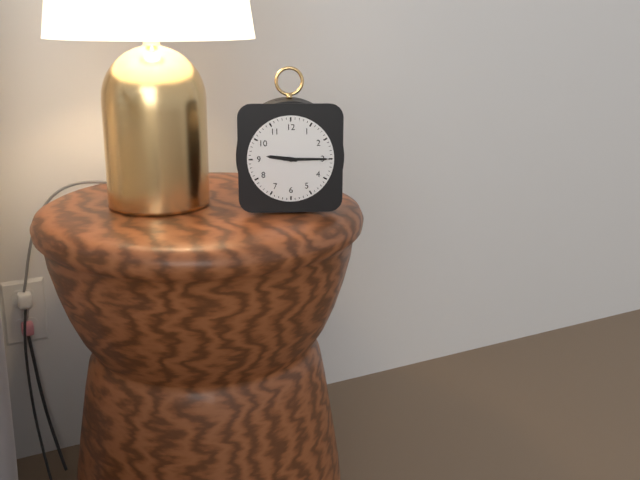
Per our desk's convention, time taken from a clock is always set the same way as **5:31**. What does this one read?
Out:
**9:15**
